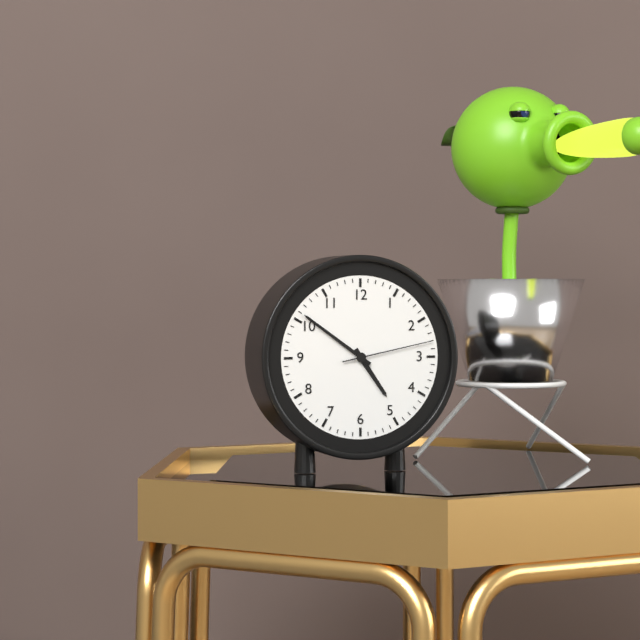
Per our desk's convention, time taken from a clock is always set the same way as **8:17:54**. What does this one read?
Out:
**4:51:13**
